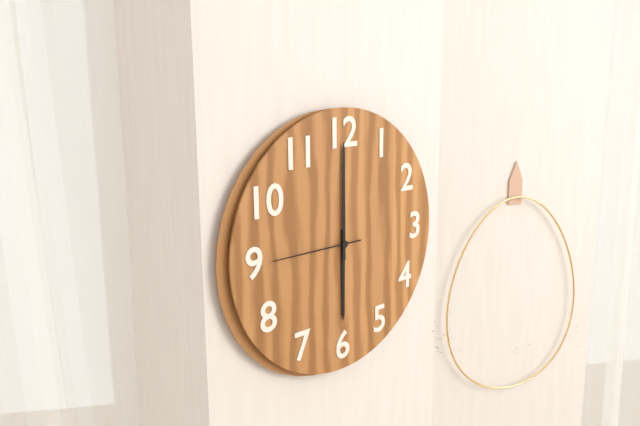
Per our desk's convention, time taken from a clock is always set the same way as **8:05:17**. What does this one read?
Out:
**6:00:45**
